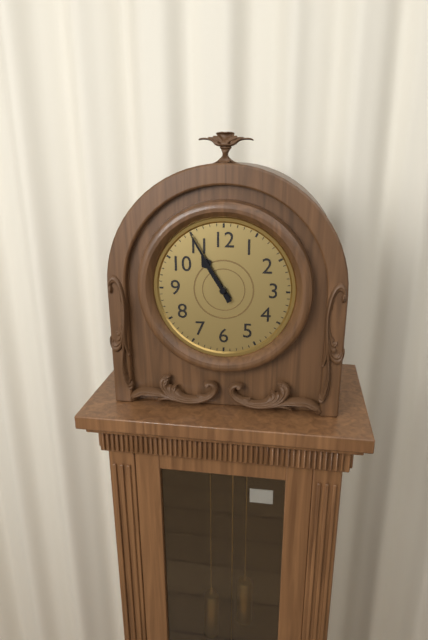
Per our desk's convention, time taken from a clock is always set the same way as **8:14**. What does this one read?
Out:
**10:55**
